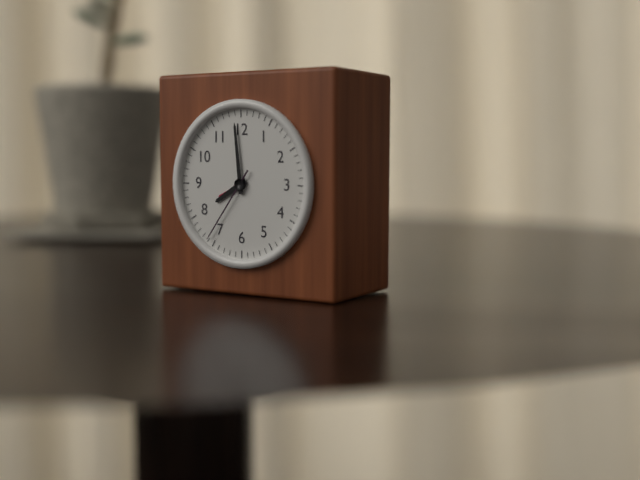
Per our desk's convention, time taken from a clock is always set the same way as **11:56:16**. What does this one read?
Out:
**7:59:36**
